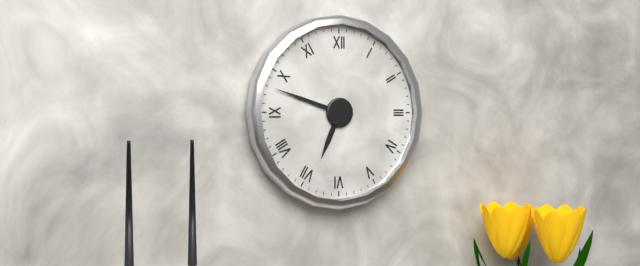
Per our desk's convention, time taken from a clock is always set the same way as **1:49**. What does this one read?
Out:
**6:48**
